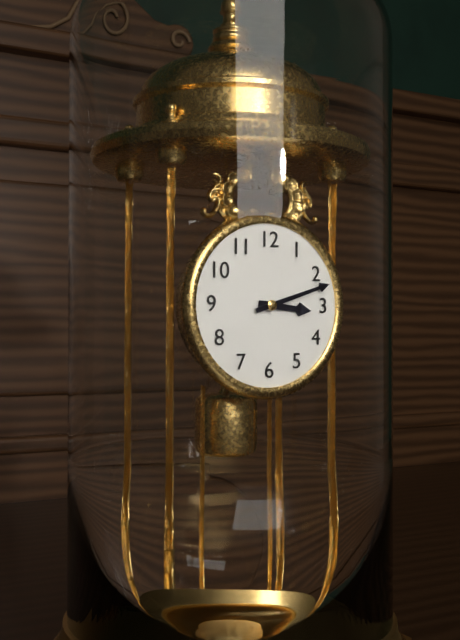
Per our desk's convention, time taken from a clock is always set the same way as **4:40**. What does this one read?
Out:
**3:12**
